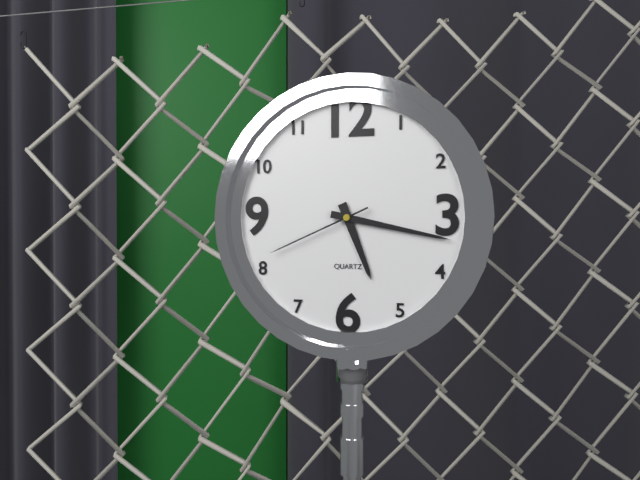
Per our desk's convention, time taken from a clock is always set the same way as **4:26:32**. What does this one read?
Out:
**5:17:41**
